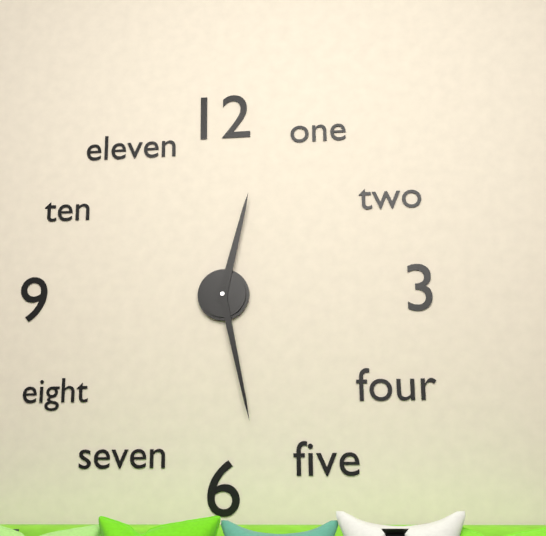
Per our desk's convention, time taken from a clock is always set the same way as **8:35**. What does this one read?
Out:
**12:28**
